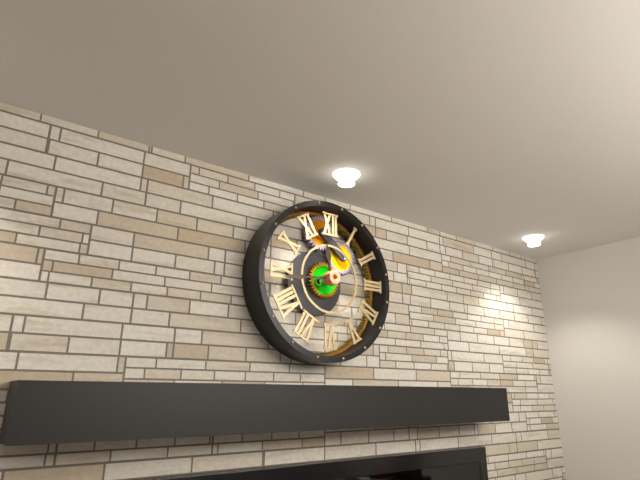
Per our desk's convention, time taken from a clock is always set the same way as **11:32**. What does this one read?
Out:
**11:44**
